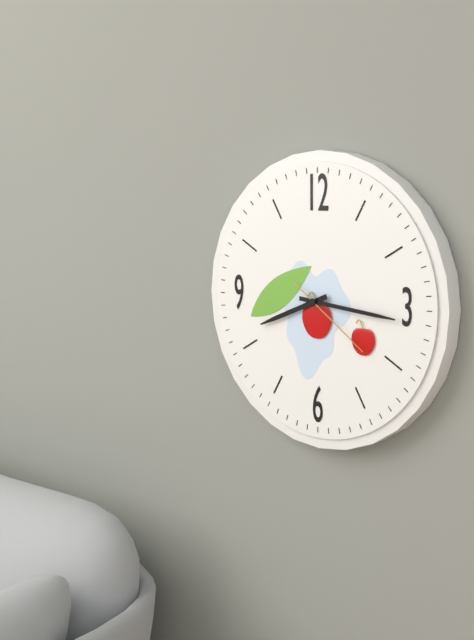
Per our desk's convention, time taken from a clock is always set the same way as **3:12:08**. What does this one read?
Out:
**8:16:21**
